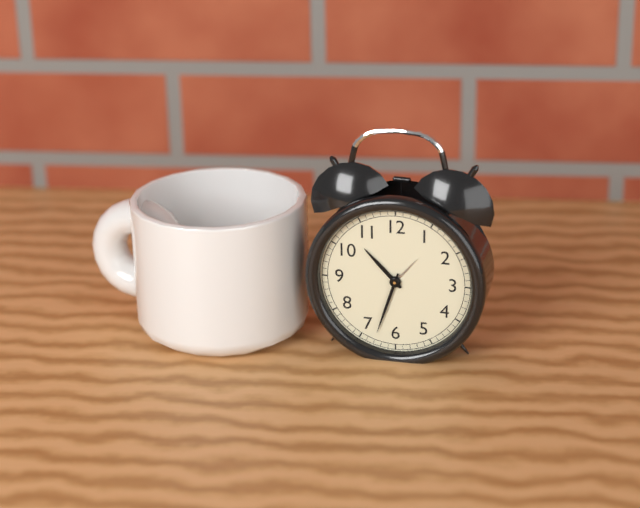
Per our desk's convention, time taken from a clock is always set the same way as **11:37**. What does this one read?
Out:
**10:33**
